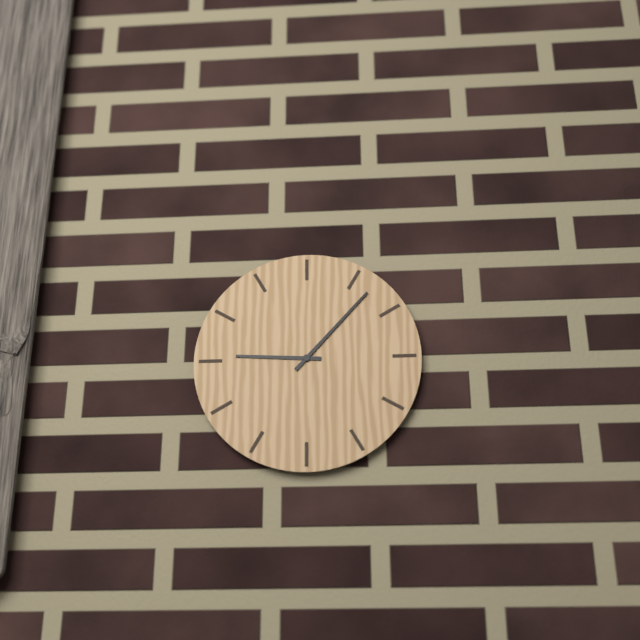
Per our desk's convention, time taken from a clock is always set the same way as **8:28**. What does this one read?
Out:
**9:07**
